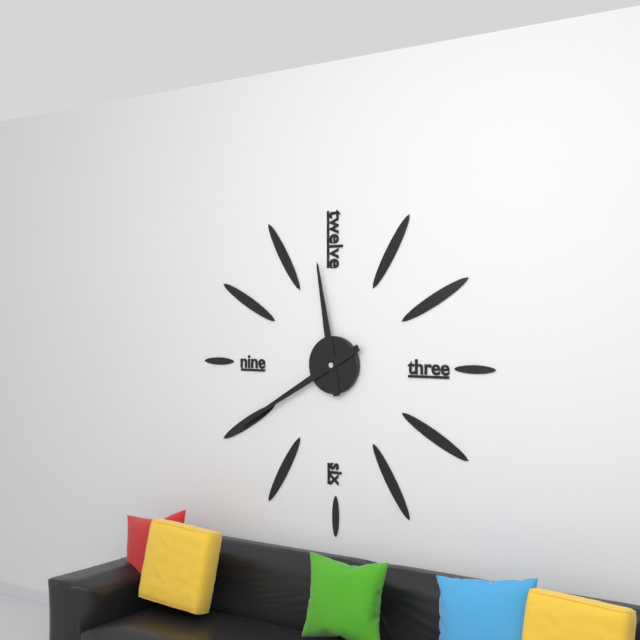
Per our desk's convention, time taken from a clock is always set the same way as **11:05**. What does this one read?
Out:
**11:40**
